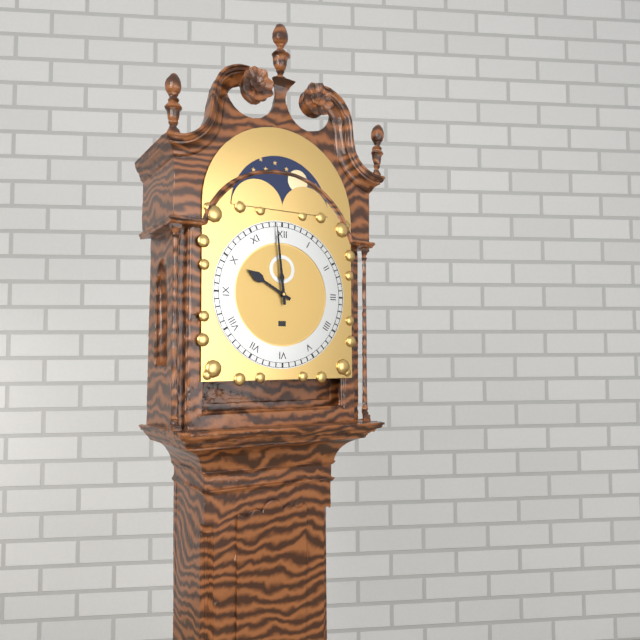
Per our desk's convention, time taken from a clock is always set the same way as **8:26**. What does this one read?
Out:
**9:59**
